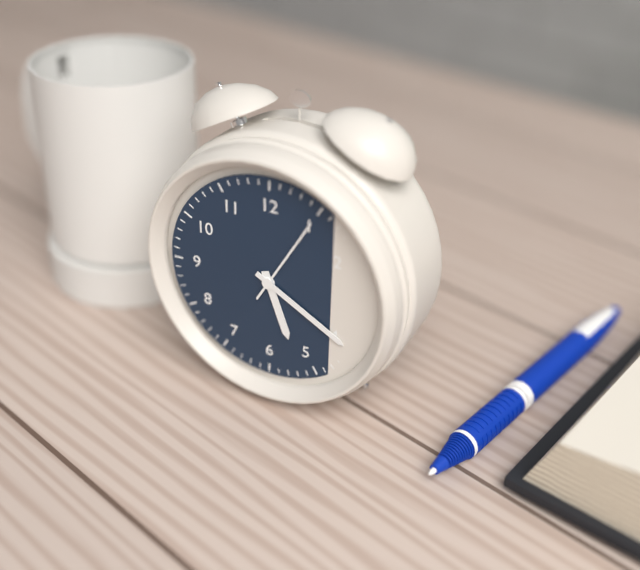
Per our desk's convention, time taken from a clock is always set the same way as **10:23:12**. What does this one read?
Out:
**5:20:05**
